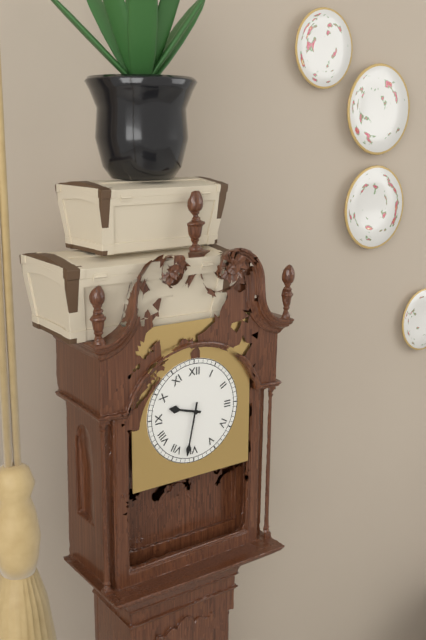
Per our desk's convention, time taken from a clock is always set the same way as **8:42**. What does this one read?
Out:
**9:32**
